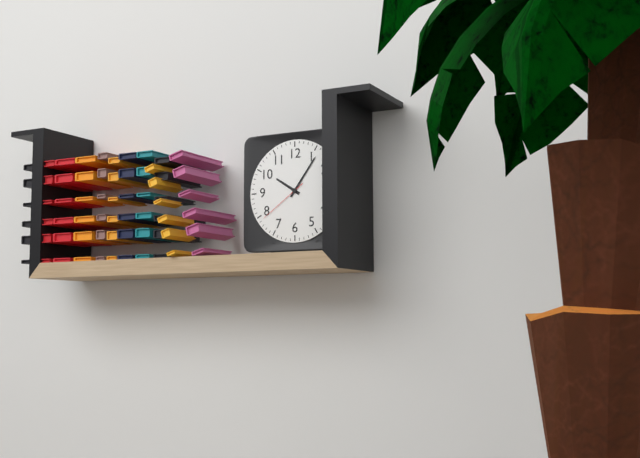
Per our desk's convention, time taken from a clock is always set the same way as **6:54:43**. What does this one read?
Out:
**10:06:39**
